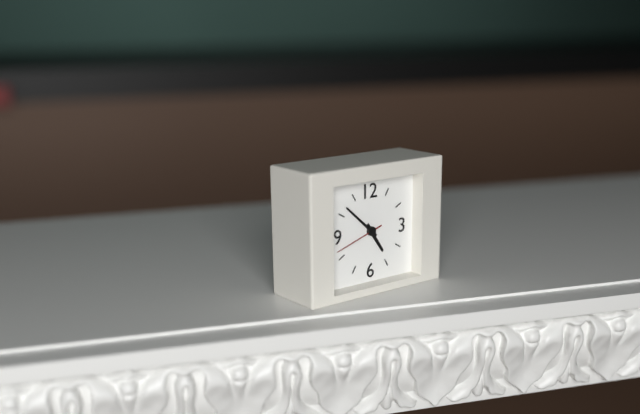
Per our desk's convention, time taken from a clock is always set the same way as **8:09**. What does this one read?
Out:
**4:52**
